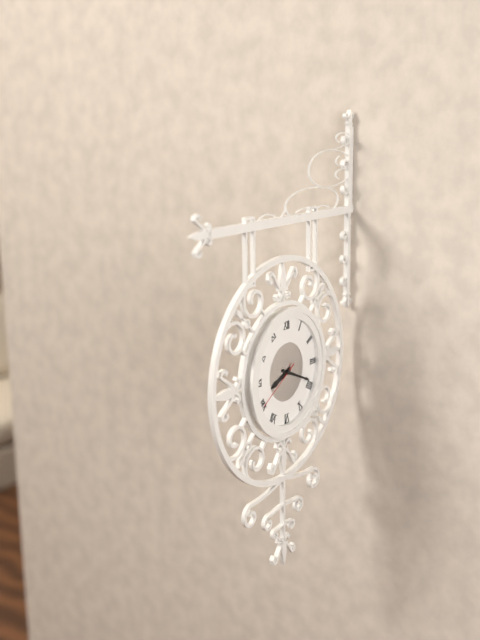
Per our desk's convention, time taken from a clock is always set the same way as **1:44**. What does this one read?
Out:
**8:19**
